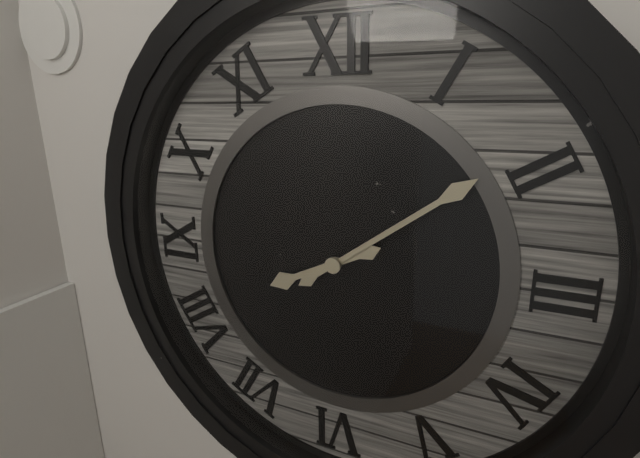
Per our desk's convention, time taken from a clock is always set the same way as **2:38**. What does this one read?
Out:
**8:09**
